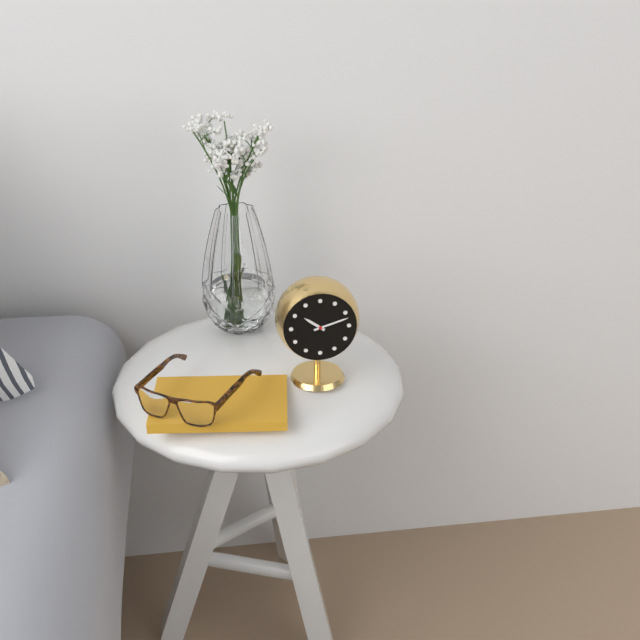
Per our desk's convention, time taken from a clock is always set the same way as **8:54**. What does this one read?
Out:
**10:12**
